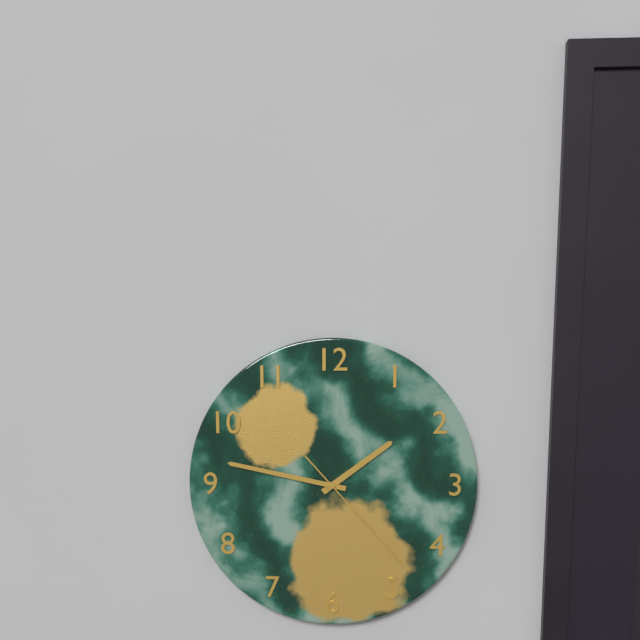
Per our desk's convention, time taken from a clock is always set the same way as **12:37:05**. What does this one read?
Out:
**1:47:23**
